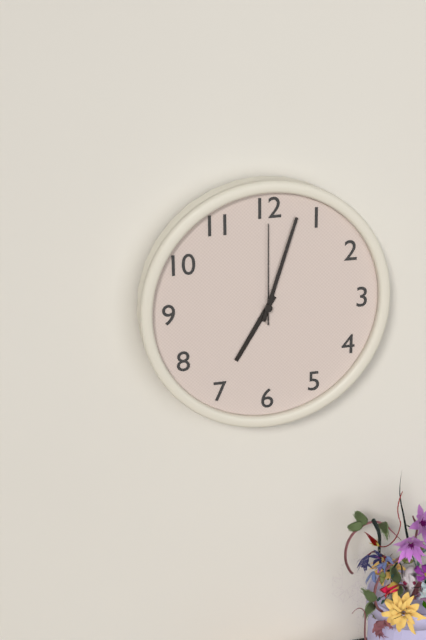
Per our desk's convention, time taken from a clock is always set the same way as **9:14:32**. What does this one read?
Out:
**7:03:00**
